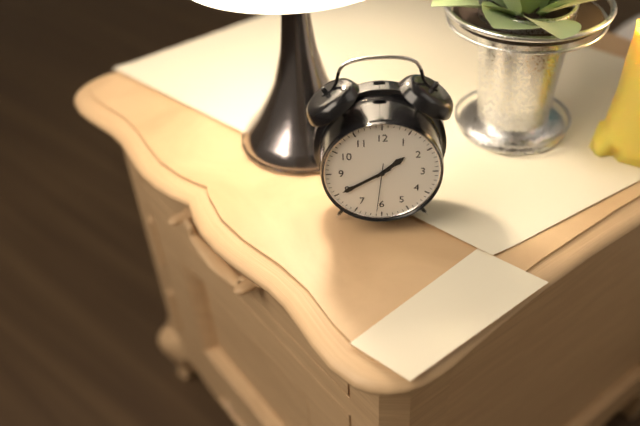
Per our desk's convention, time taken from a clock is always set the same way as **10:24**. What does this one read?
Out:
**1:40**
